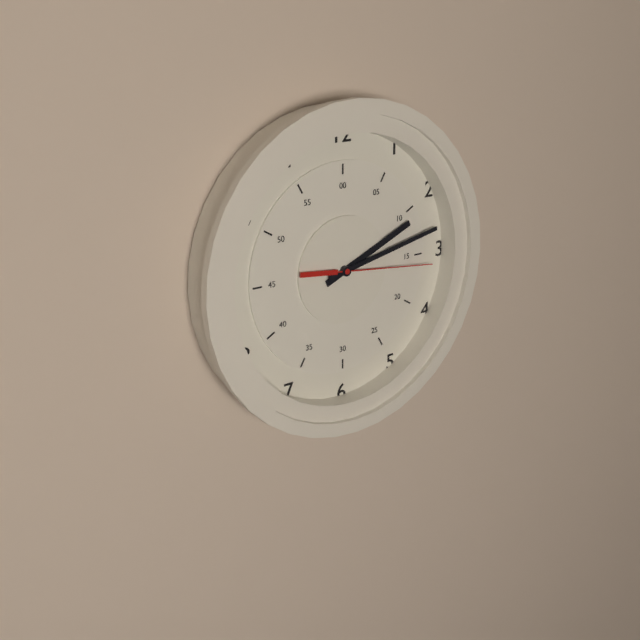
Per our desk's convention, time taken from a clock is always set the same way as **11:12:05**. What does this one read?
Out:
**2:13:16**
